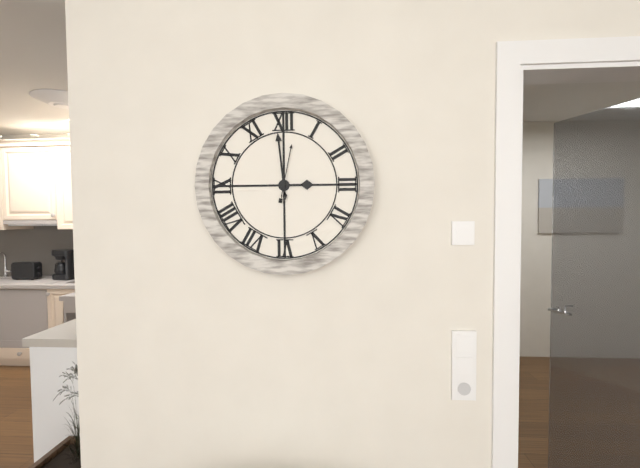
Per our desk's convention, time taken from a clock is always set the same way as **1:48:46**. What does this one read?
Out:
**2:59:02**
